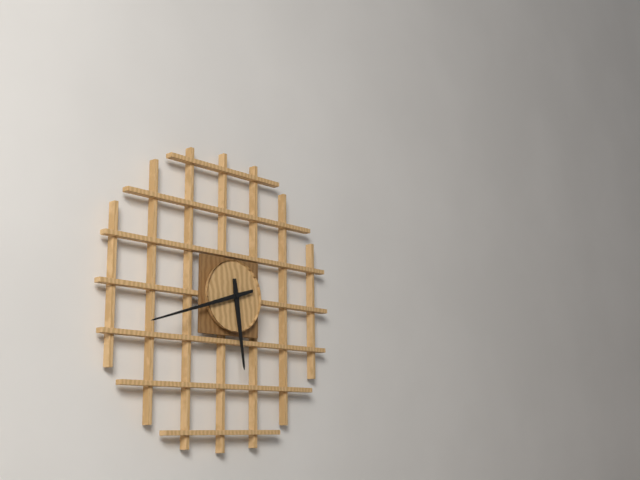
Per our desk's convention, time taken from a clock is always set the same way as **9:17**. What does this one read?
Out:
**5:42**
